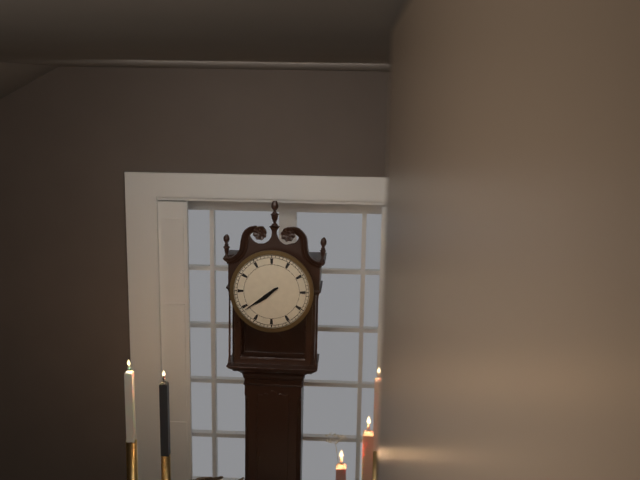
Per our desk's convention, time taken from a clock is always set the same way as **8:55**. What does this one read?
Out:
**7:39**
